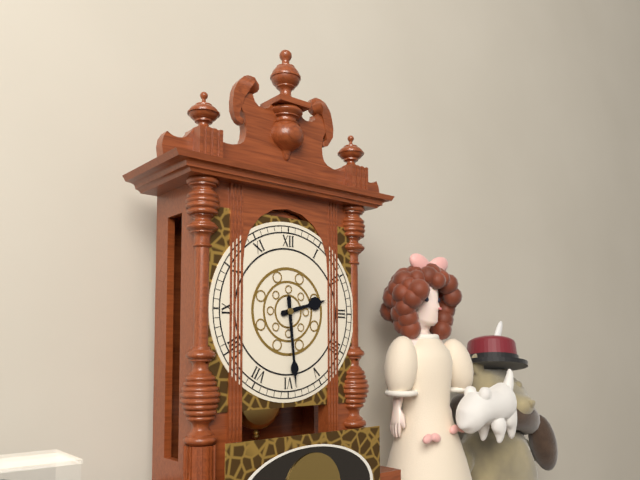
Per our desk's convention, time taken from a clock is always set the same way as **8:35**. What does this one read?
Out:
**2:29**
